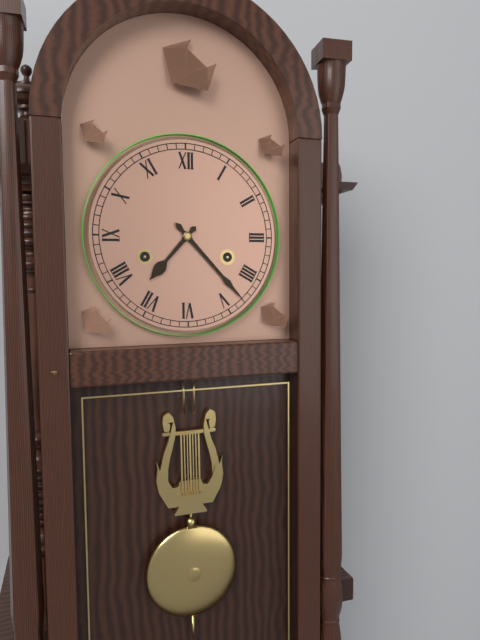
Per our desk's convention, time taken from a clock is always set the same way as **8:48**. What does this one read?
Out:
**7:23**
